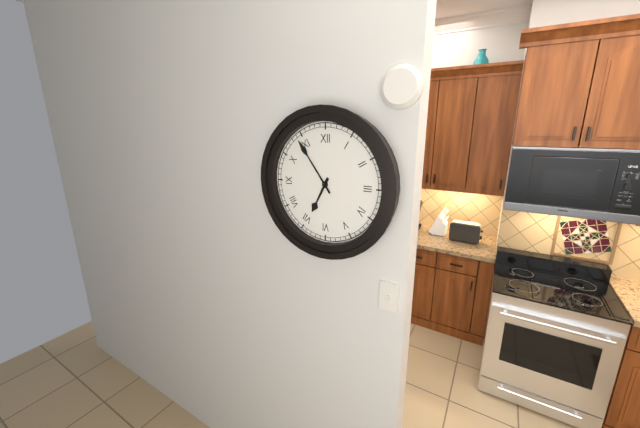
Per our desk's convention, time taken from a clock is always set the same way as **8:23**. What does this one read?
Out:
**6:54**
